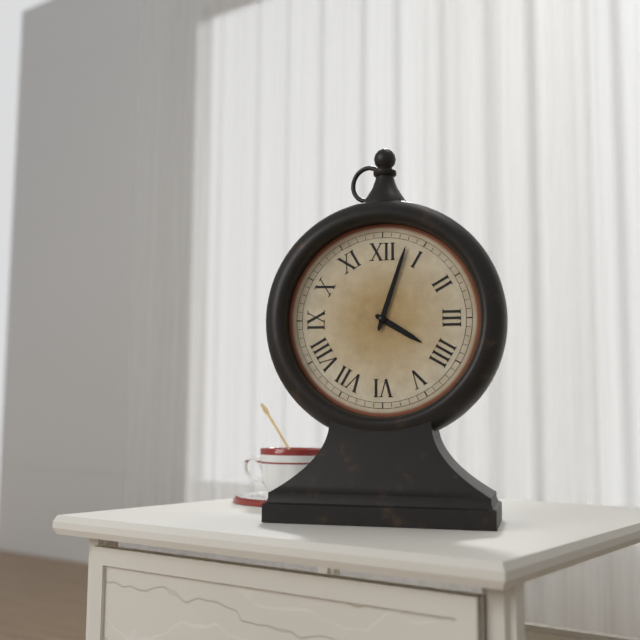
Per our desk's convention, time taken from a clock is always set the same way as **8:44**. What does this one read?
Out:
**4:03**
